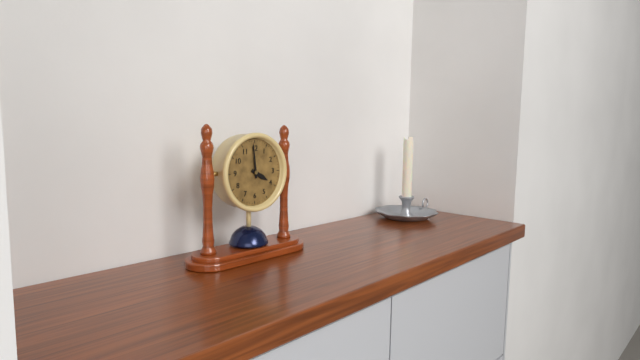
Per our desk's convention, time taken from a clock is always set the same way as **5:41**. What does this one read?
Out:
**3:59**
